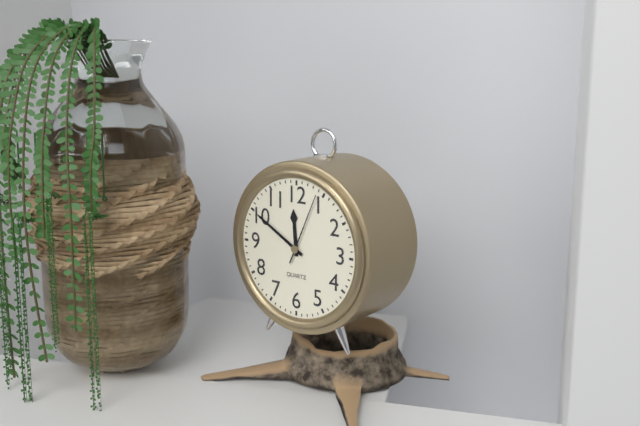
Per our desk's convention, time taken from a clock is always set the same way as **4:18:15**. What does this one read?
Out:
**11:50:04**
